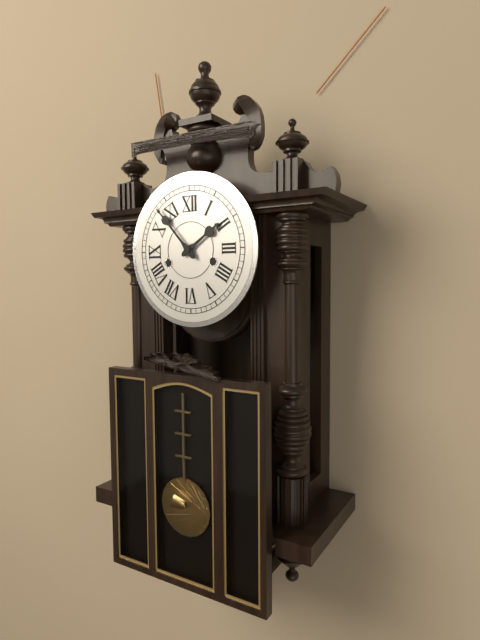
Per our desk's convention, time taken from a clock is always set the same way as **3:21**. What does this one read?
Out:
**1:53**
